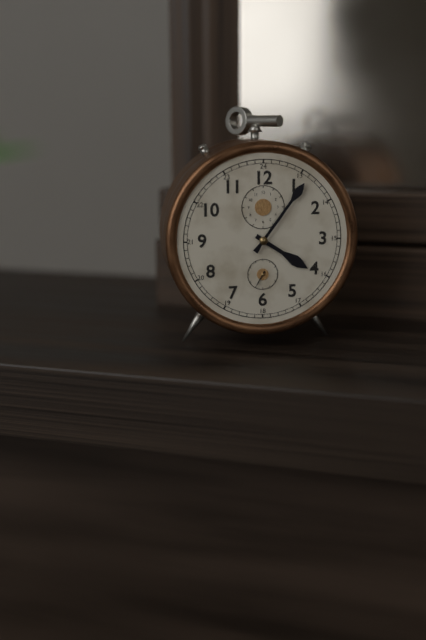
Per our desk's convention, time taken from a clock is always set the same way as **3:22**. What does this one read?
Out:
**4:06**
